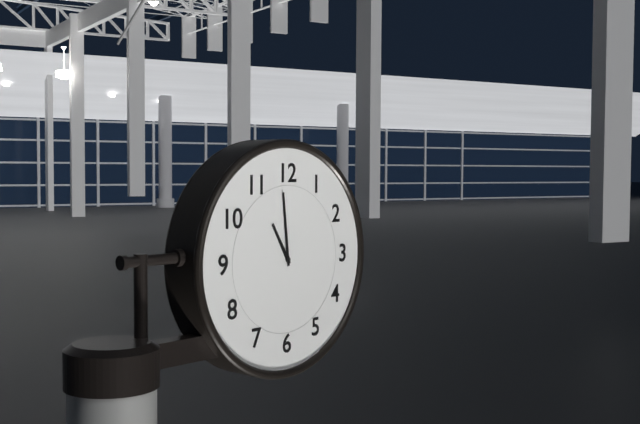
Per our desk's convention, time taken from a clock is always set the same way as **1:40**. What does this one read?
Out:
**10:59**
